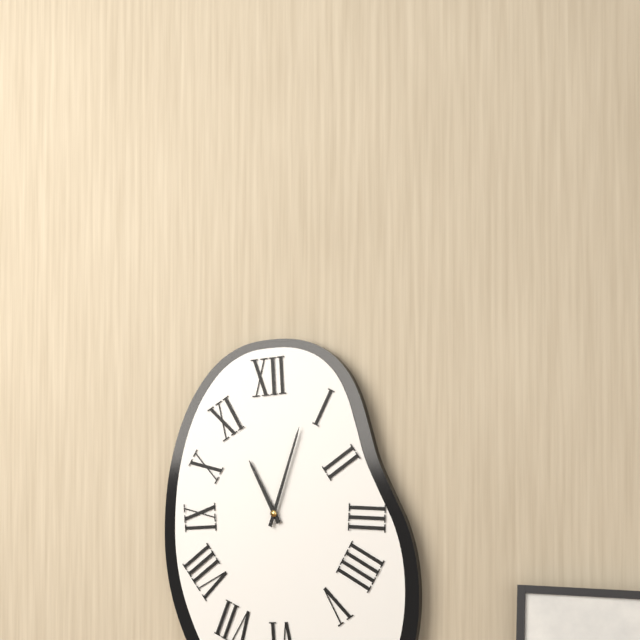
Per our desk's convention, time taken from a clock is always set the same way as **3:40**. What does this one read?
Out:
**11:03**
